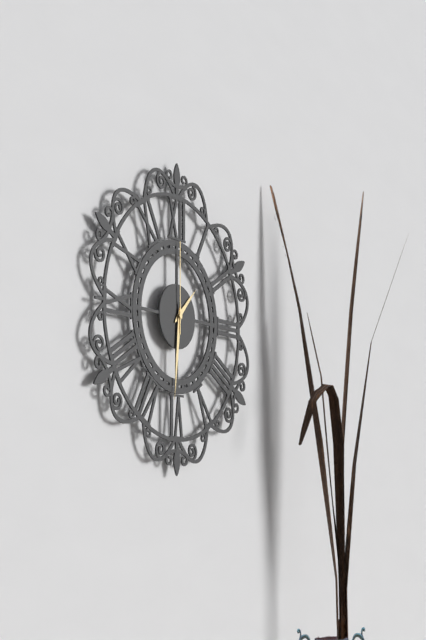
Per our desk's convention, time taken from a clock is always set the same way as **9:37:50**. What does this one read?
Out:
**1:31:00**
